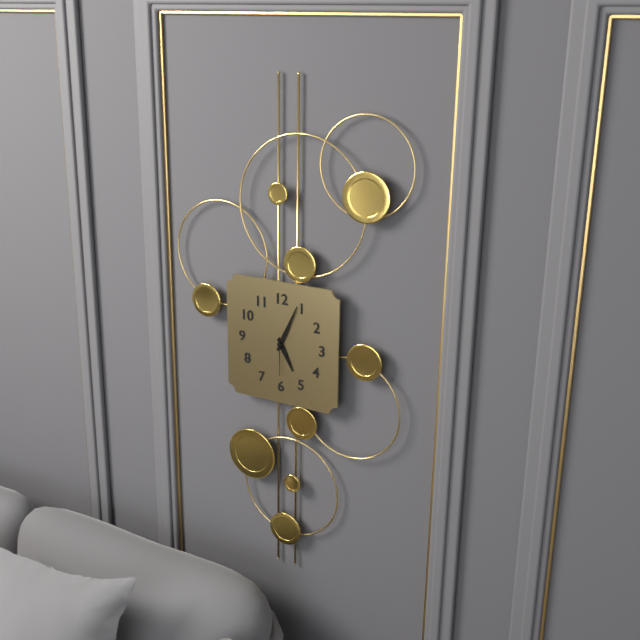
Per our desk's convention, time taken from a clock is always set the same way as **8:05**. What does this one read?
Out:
**5:04**
